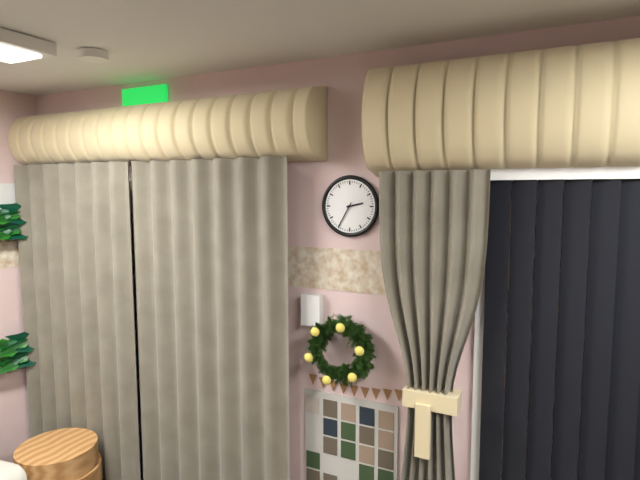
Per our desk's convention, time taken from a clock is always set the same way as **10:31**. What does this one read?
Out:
**2:35**
